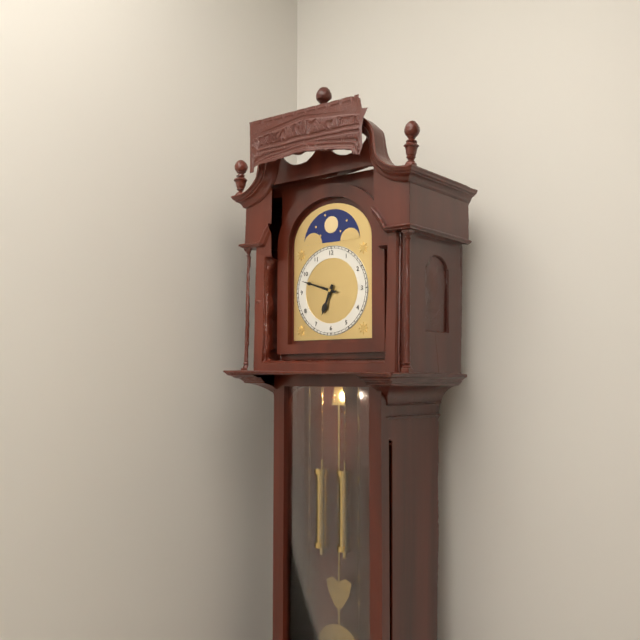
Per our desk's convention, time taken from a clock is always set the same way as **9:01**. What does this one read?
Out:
**6:48**
